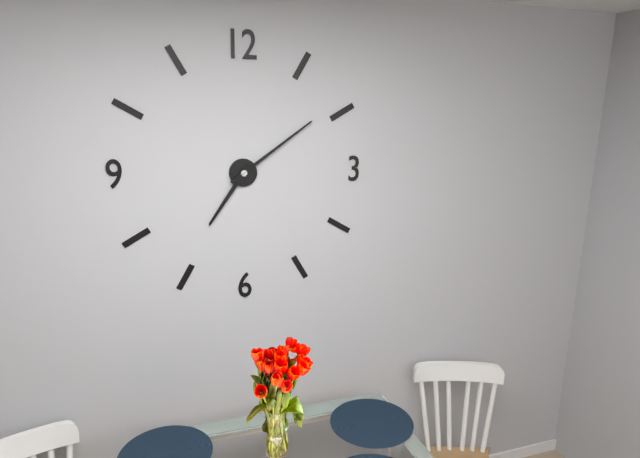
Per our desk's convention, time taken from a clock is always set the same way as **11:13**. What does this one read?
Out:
**7:09**
